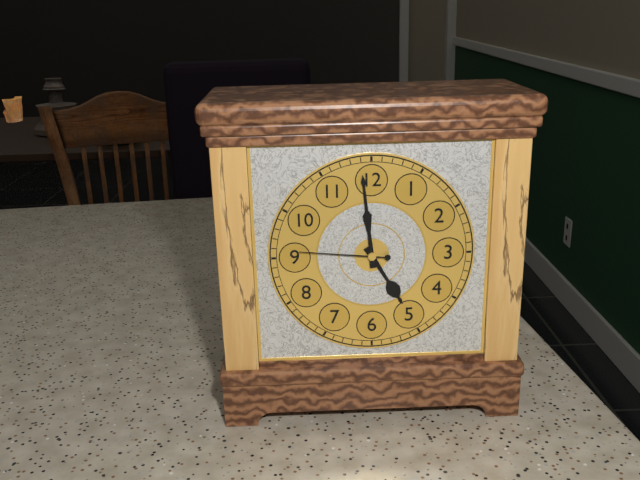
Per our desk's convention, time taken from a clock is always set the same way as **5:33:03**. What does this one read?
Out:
**4:59:46**
